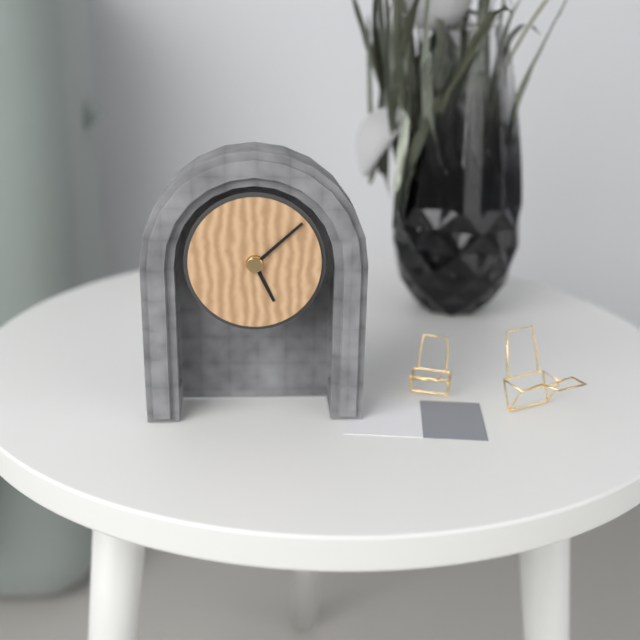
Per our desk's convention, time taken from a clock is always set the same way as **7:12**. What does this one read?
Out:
**5:08**
